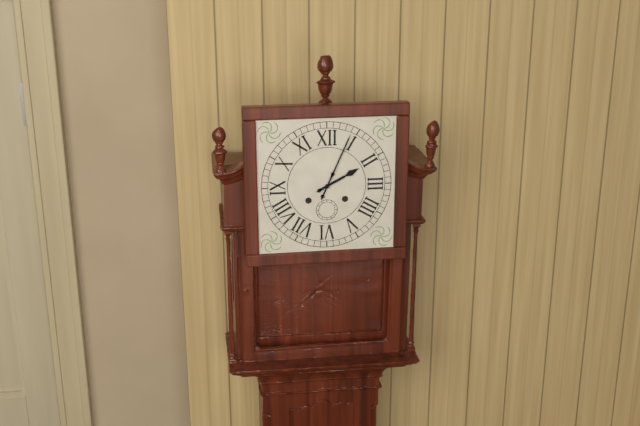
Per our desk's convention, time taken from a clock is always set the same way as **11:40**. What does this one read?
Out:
**2:04**
